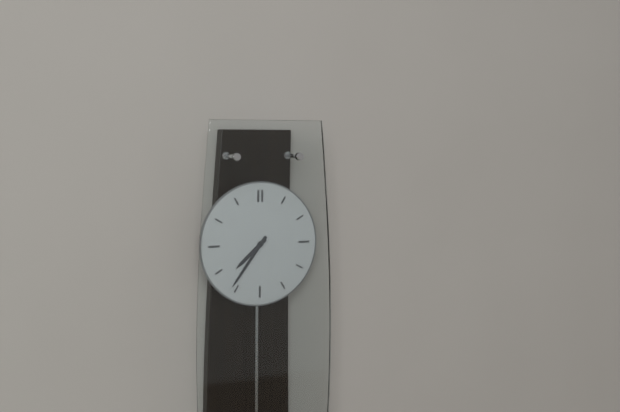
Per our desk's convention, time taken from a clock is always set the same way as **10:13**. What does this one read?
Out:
**7:36**
